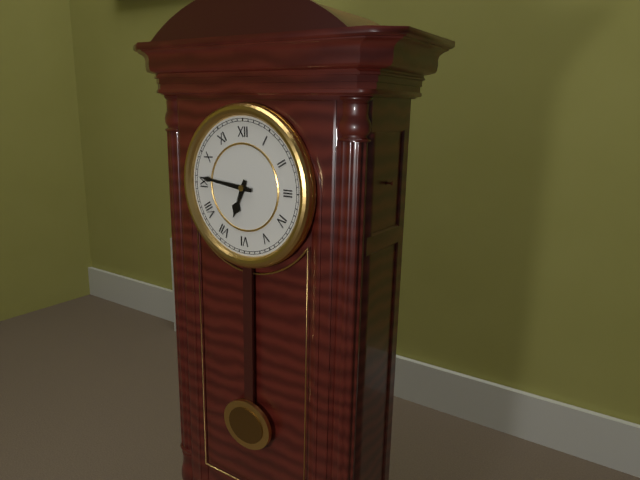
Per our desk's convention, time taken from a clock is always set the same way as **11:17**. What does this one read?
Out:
**6:46**
